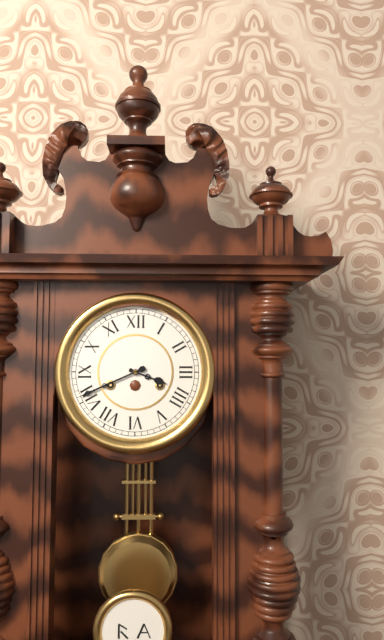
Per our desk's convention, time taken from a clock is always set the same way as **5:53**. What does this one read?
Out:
**3:41**
